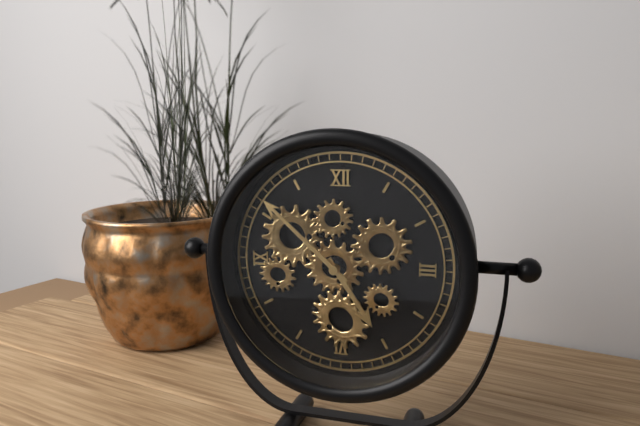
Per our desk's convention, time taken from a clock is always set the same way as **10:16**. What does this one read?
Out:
**4:52**
